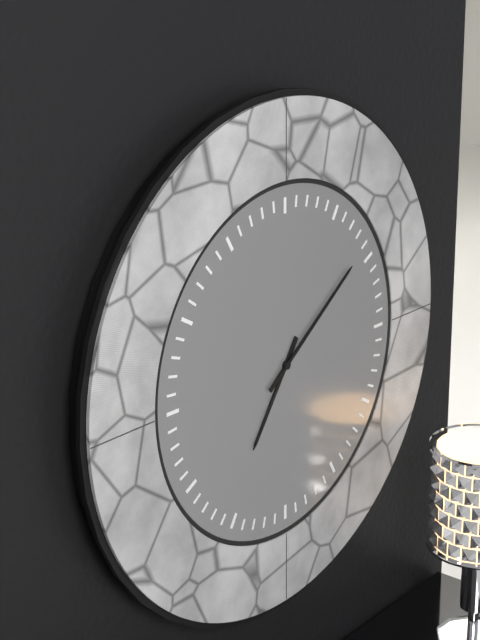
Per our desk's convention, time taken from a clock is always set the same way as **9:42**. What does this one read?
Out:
**7:09**
